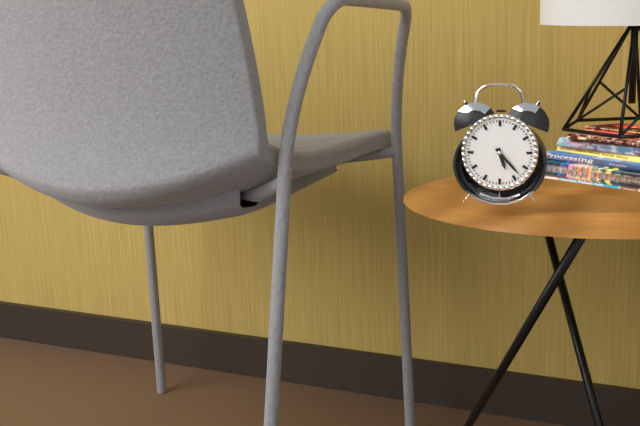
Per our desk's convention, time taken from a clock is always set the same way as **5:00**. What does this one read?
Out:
**5:23**
